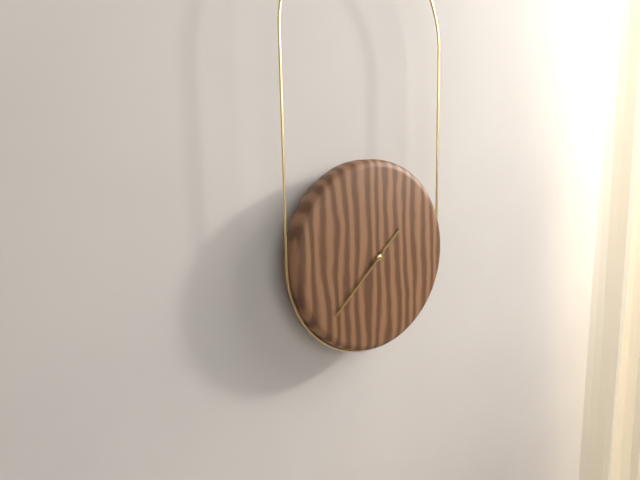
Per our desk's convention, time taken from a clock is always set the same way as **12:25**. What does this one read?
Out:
**1:38**
